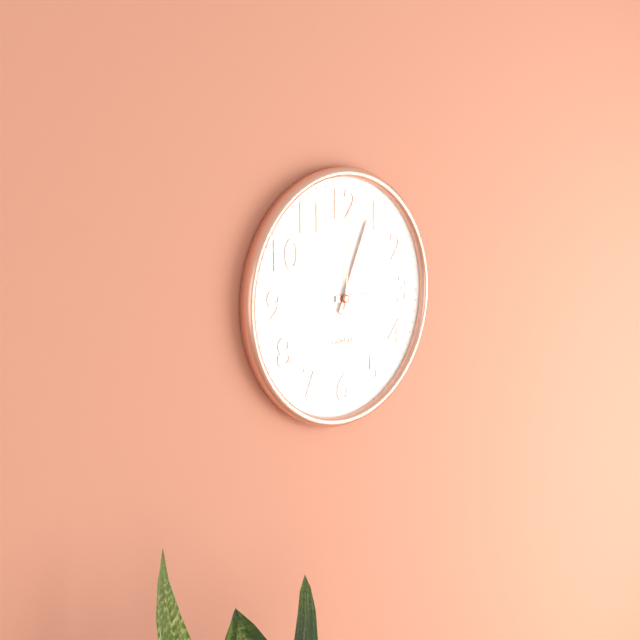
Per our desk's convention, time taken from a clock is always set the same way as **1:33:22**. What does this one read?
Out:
**3:04:01**
